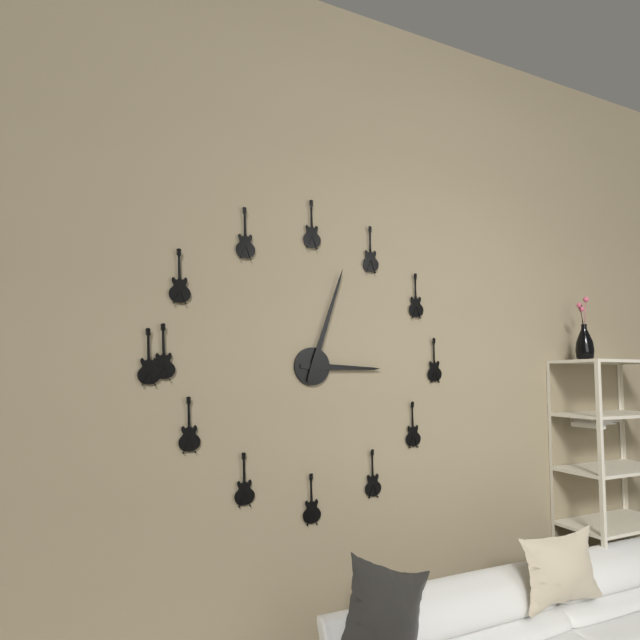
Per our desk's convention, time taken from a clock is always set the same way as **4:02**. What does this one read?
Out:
**3:03**
